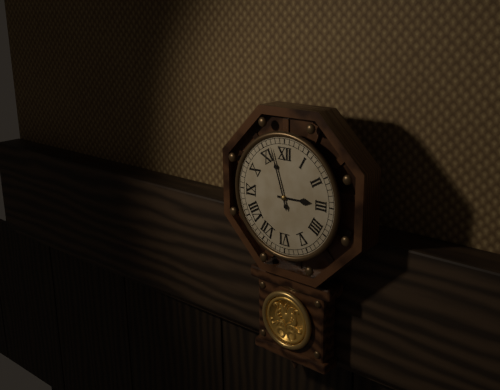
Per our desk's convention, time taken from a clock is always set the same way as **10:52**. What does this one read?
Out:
**2:57**
